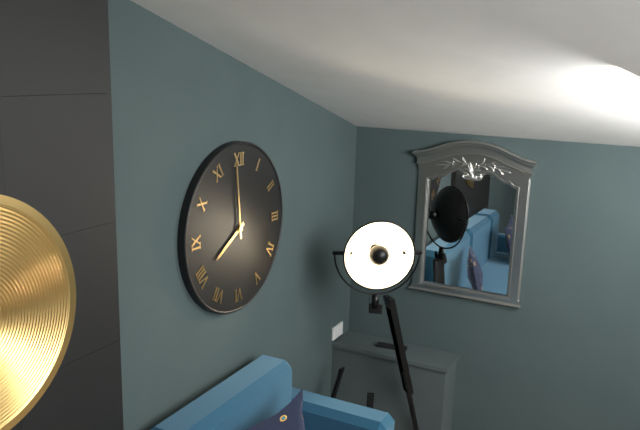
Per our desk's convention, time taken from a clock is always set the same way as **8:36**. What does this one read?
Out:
**7:59**
